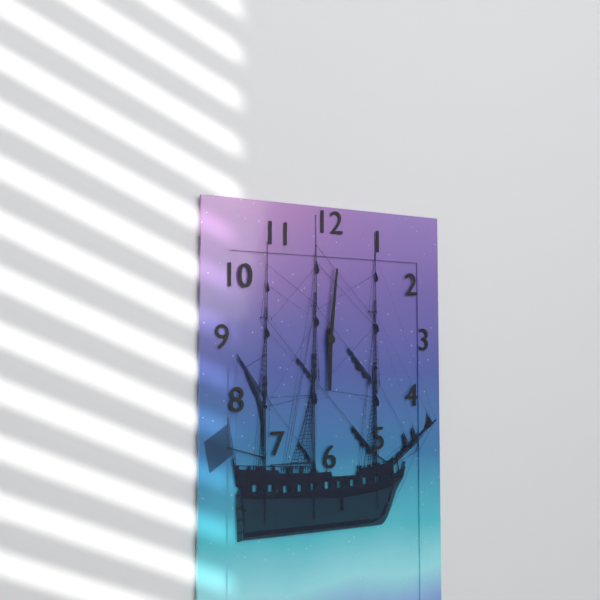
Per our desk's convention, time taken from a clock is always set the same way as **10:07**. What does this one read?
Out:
**6:01**
